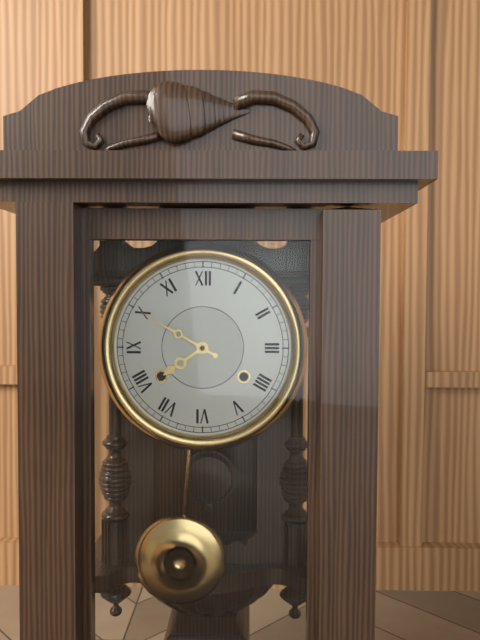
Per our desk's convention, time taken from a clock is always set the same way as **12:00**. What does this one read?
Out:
**7:50**
